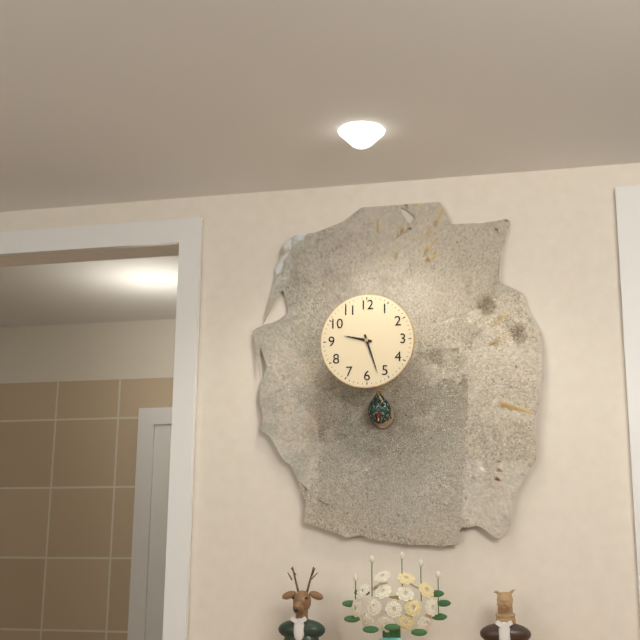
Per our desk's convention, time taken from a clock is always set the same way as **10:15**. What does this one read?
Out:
**9:27**
